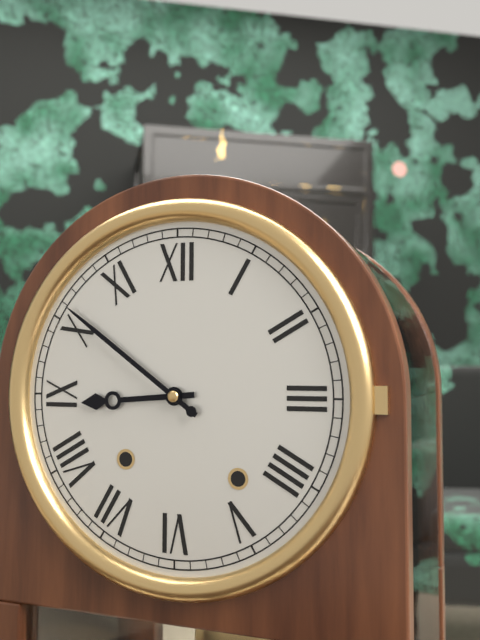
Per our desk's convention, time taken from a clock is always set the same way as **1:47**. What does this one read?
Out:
**8:51**
